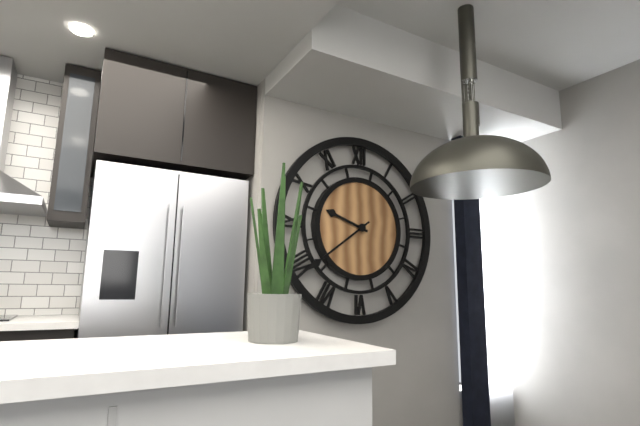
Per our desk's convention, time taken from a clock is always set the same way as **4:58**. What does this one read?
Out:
**9:39**
